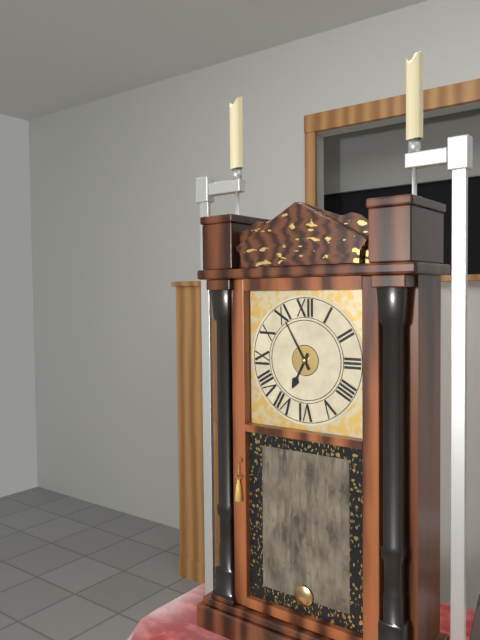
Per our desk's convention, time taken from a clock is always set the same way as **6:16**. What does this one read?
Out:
**6:55**
